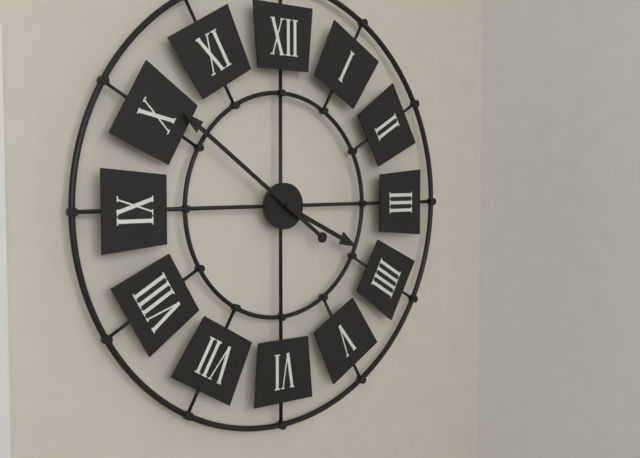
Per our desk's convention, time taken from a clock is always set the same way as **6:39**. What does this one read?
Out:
**3:51**
